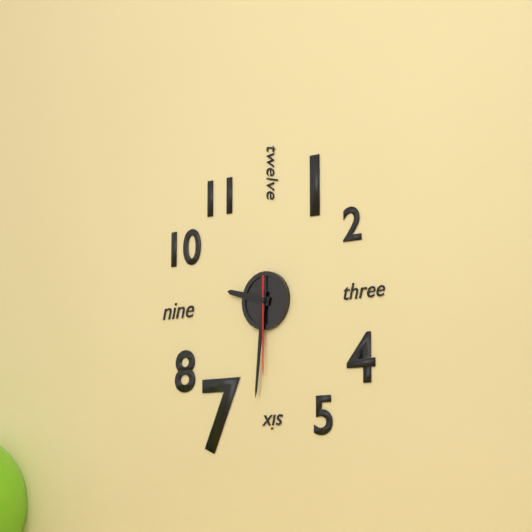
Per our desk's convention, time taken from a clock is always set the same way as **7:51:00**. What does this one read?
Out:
**9:31:30**
